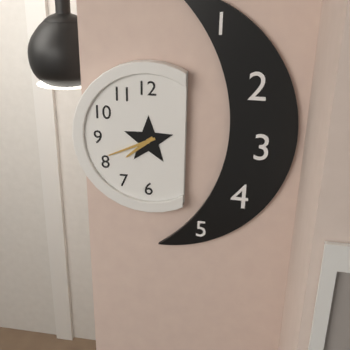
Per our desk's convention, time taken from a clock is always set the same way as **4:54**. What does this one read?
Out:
**7:41**
